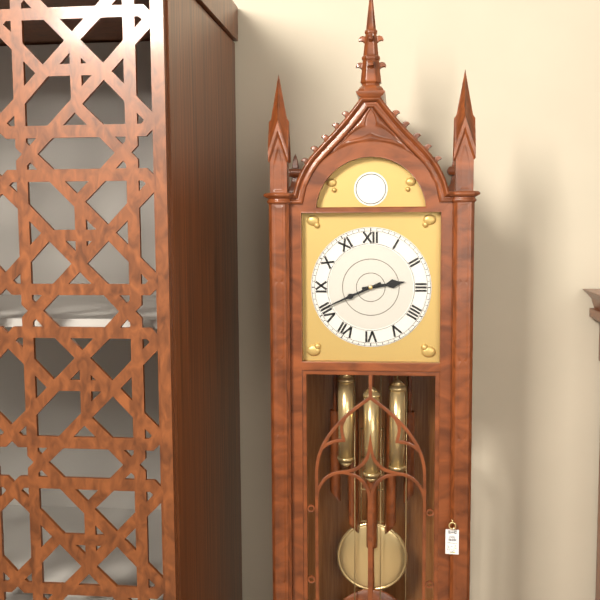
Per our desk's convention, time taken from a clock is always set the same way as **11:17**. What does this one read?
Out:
**2:41**
